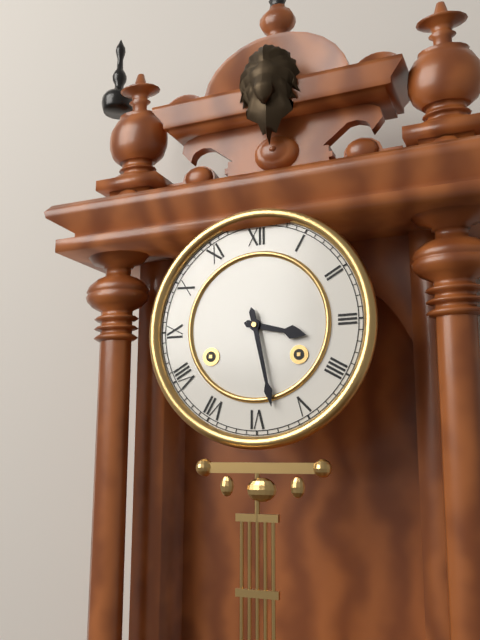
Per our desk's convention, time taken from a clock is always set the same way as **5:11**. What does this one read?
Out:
**3:28**
